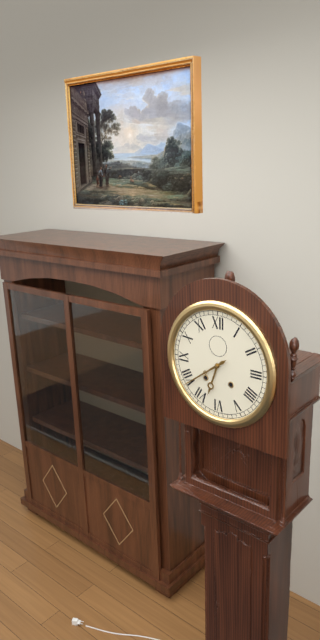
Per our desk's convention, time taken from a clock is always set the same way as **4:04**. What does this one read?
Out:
**6:39**
